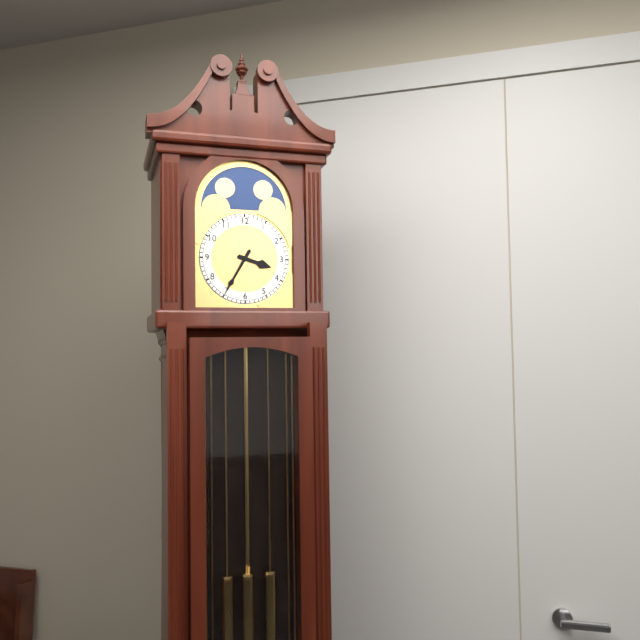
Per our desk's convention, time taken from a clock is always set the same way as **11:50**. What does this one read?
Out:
**3:35**
